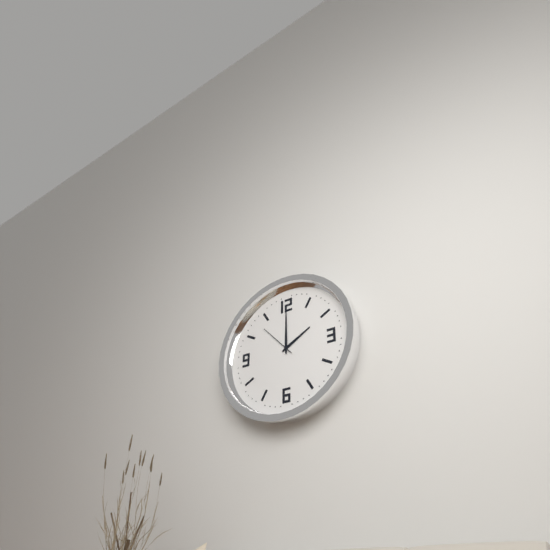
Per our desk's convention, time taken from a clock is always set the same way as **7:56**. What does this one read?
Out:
**2:00**
